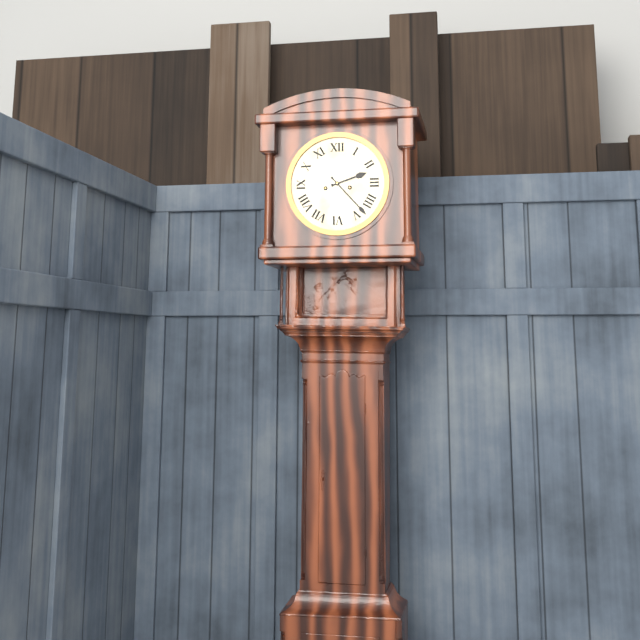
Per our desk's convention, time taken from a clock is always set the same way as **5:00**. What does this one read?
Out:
**2:23**
